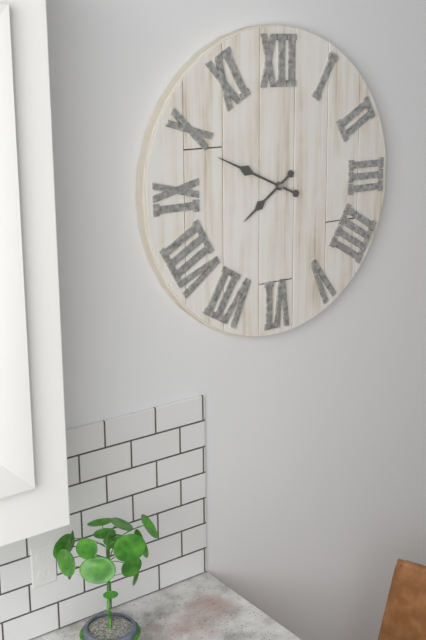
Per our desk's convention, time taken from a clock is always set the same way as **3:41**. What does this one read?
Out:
**7:49**
